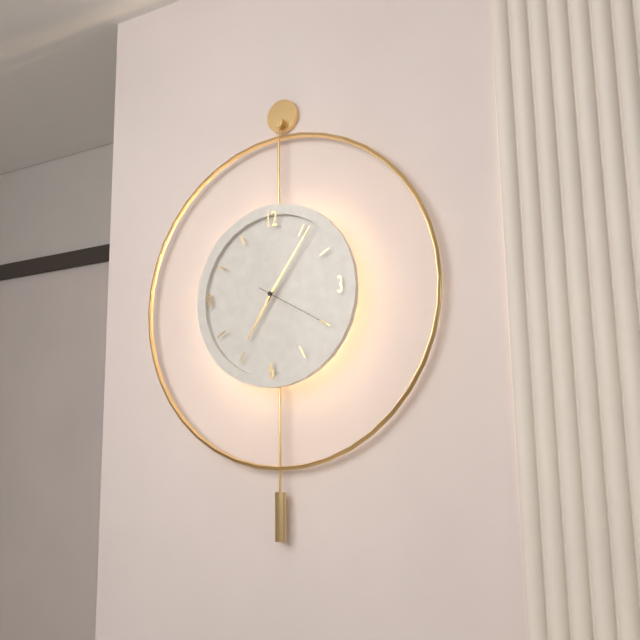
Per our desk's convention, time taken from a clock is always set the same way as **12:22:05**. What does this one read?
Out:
**7:06:20**
